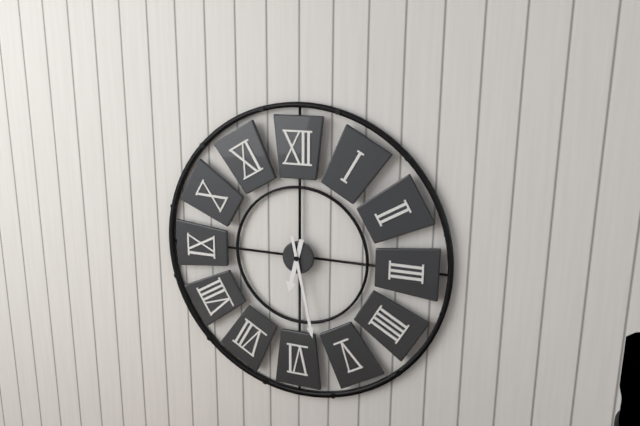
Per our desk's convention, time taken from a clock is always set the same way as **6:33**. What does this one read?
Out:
**6:28**
